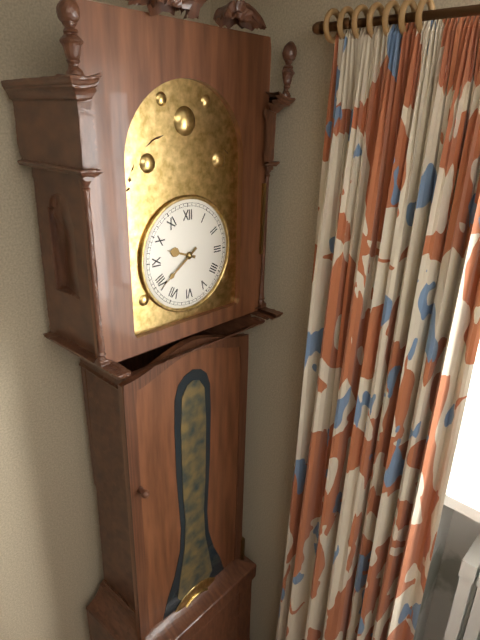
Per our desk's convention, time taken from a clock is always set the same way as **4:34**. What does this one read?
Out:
**9:39**
